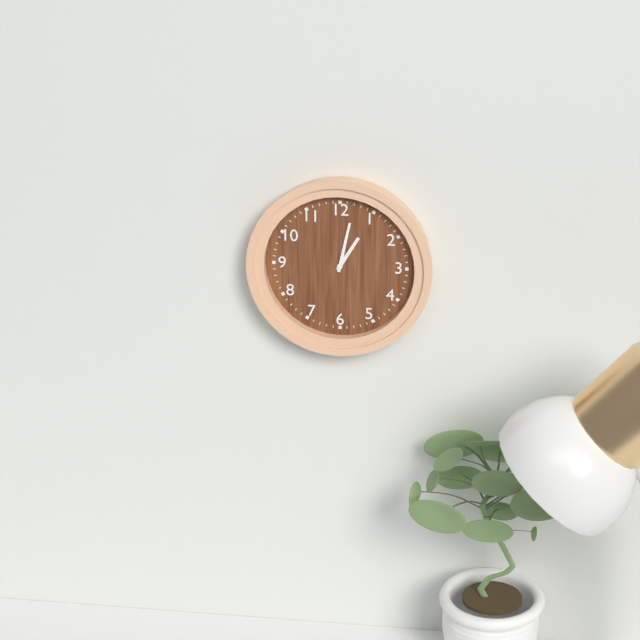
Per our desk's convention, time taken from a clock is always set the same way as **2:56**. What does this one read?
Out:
**1:02**
